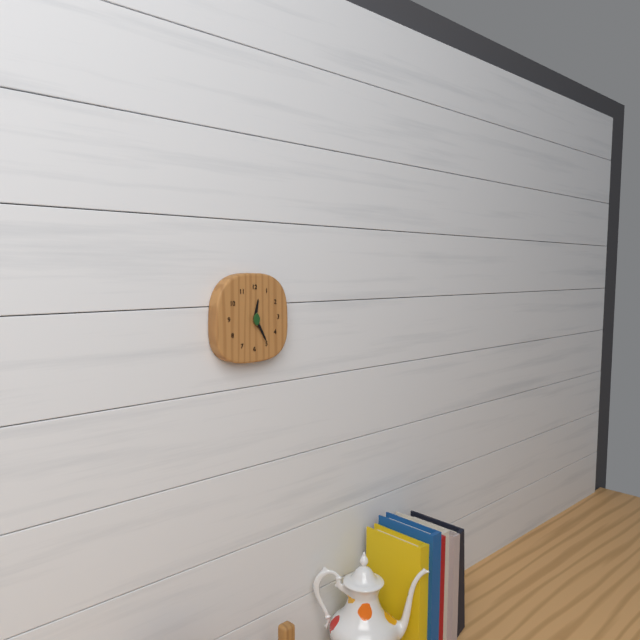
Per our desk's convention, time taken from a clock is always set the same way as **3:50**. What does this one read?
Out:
**12:25**
